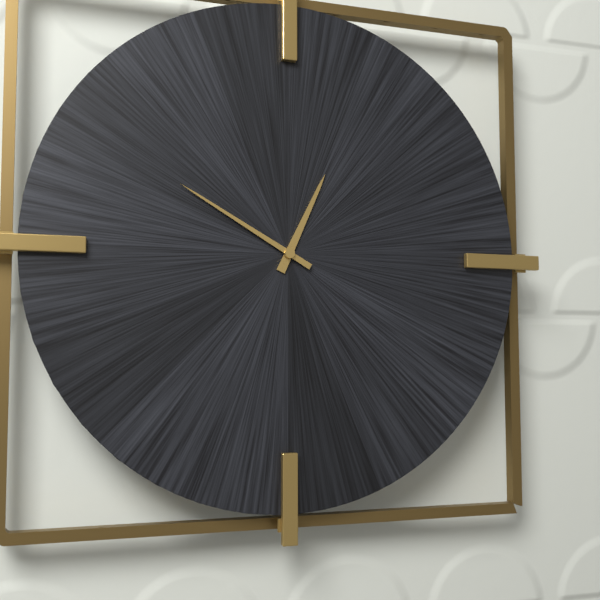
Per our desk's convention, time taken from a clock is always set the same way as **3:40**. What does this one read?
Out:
**12:50**
